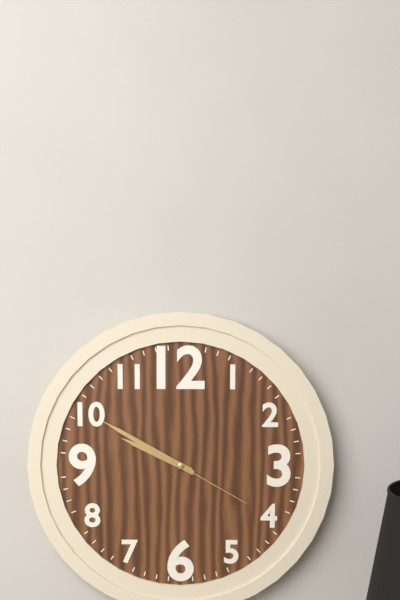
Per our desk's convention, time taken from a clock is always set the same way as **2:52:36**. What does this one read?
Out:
**9:50:20**
